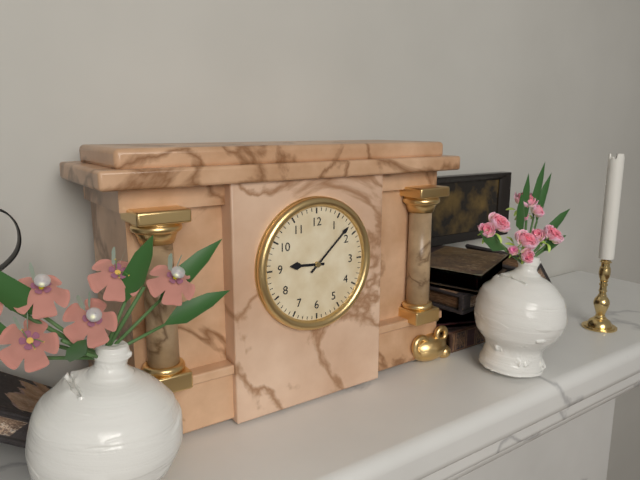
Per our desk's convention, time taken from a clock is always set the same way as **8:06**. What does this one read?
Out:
**9:08**
